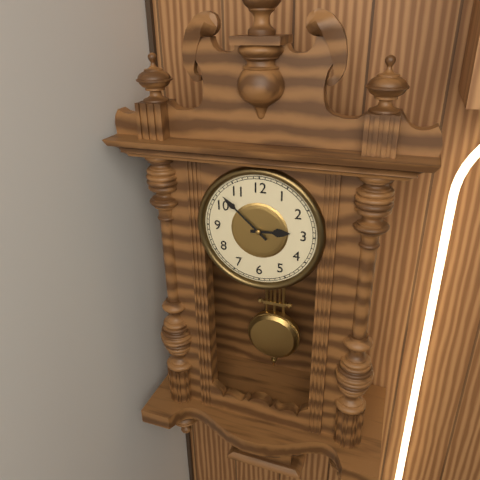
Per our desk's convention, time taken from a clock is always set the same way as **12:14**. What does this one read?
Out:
**2:52**
